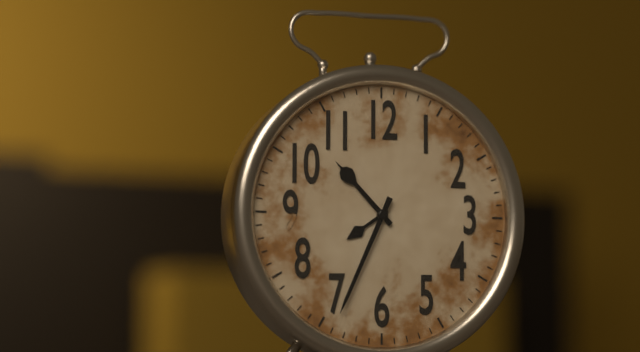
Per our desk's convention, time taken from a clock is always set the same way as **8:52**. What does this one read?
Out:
**10:34**
